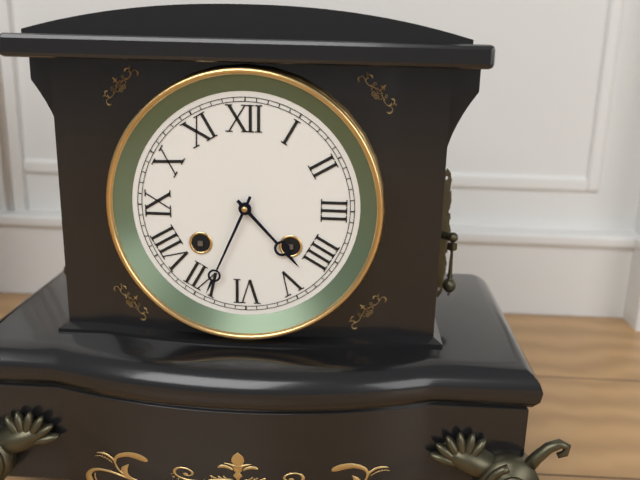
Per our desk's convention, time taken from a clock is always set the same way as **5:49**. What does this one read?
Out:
**4:34**
